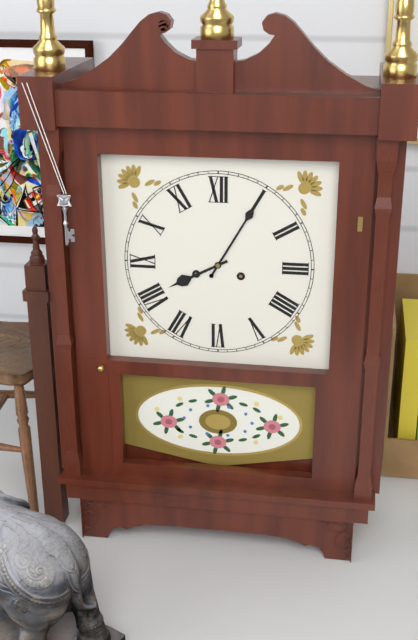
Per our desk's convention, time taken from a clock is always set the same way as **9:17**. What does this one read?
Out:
**8:05**
